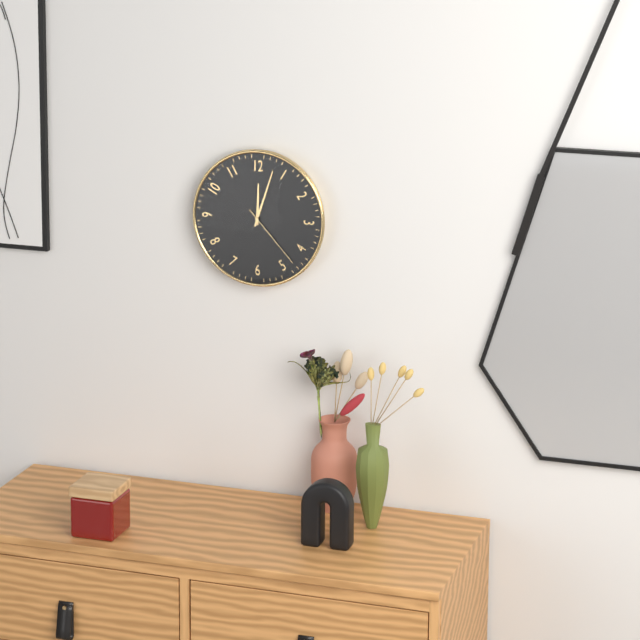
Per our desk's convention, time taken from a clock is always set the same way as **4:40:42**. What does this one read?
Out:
**12:03:23**
